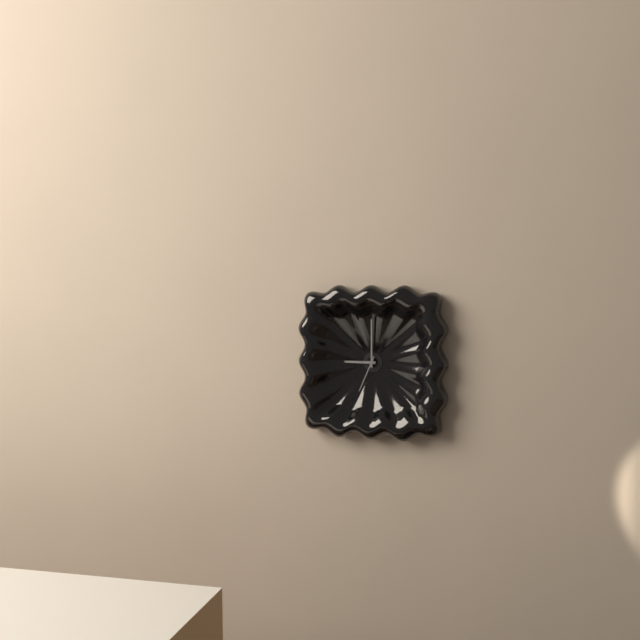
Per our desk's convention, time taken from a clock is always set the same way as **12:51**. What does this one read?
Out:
**9:00**
